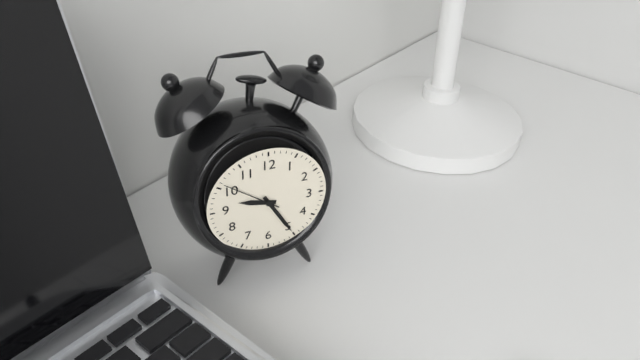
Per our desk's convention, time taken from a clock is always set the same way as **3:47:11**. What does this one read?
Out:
**9:25:51**
